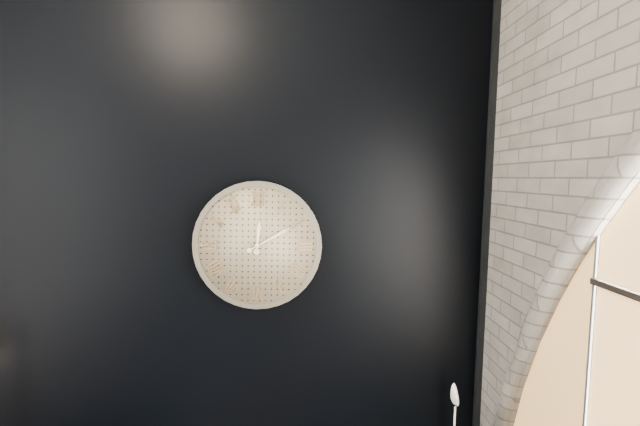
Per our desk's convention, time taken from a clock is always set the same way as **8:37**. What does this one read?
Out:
**12:10**
